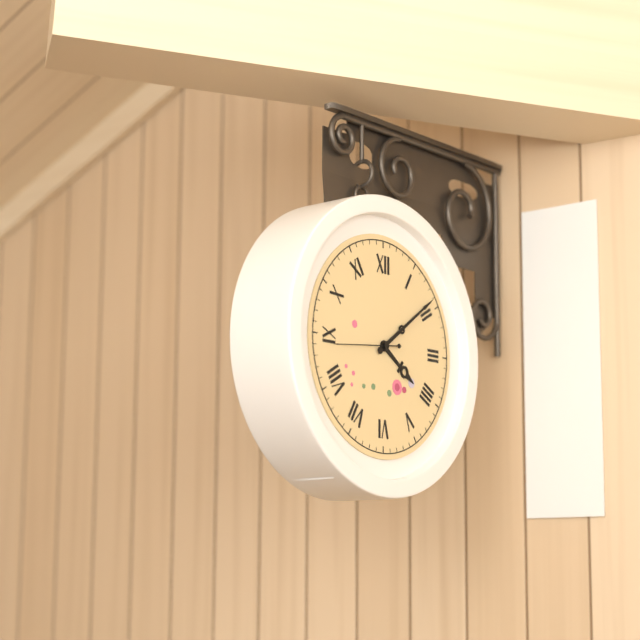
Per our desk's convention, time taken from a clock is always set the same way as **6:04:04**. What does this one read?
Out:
**4:09:44**
